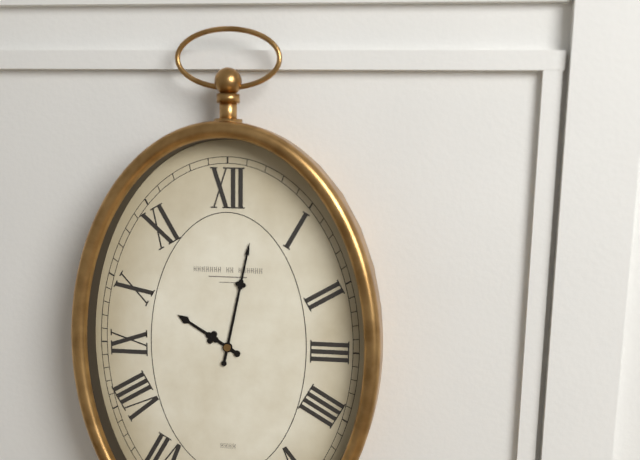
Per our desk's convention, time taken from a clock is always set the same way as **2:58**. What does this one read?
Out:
**10:02**
